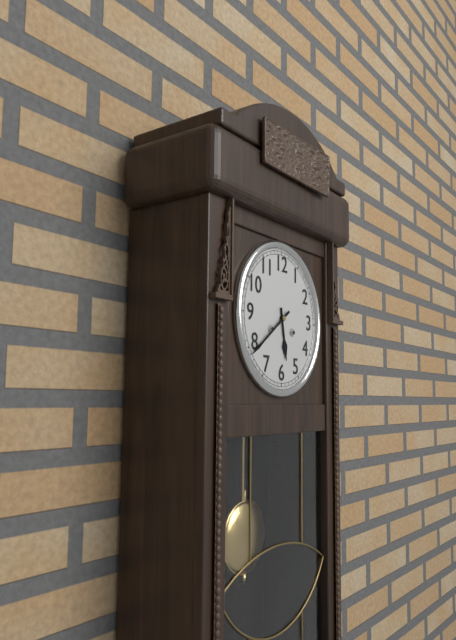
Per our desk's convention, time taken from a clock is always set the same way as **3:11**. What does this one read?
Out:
**5:39**
